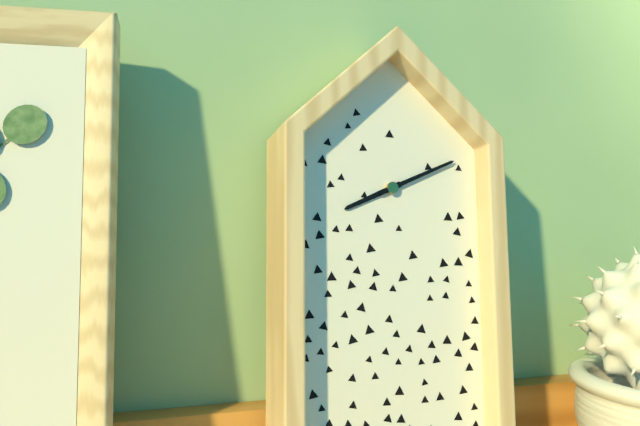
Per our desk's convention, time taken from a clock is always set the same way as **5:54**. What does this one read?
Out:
**8:11**
